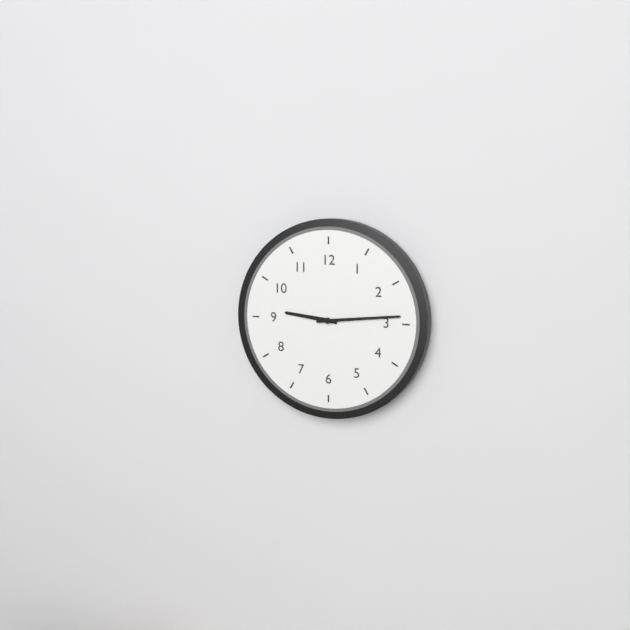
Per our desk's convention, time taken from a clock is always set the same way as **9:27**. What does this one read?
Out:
**9:14**
